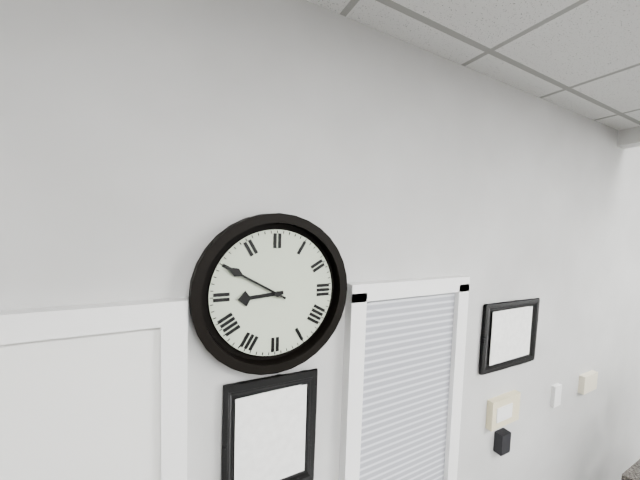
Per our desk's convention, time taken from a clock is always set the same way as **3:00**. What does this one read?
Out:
**8:50**
